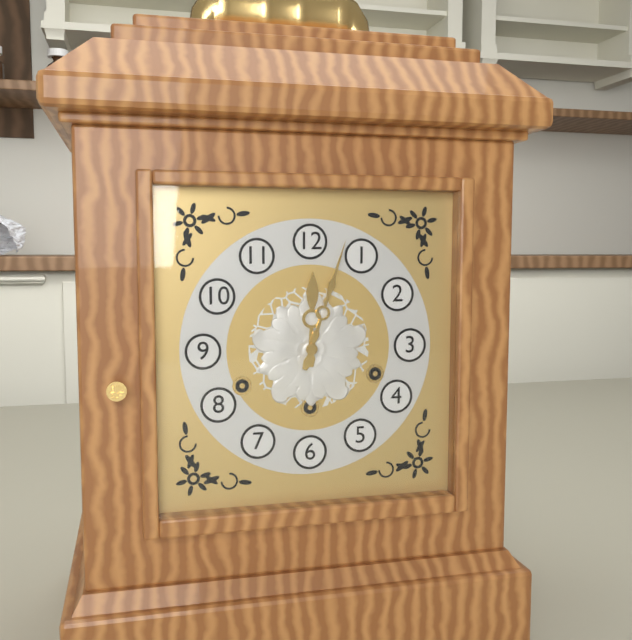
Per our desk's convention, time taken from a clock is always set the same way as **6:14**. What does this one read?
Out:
**12:03**
